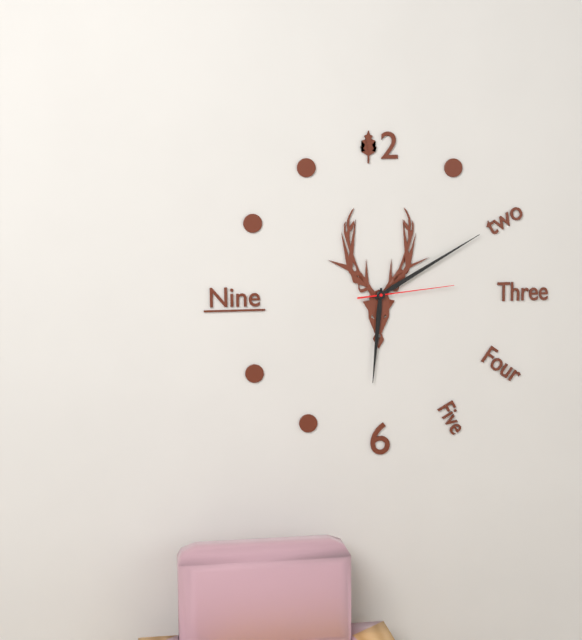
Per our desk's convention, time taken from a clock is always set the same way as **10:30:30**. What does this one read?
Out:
**6:10:14**
